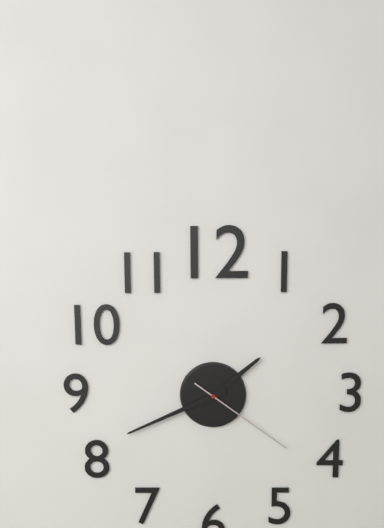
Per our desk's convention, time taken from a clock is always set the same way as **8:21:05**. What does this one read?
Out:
**1:41:21**
